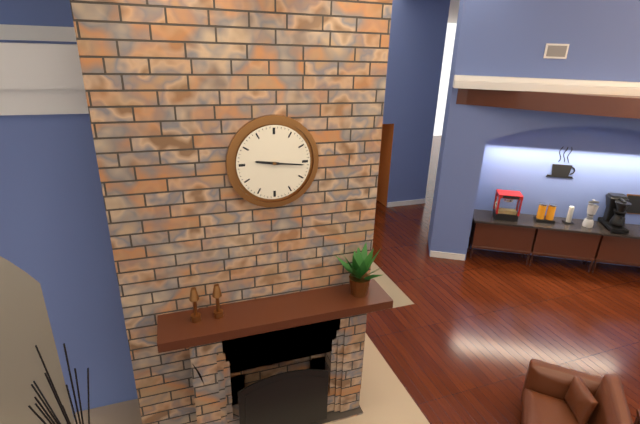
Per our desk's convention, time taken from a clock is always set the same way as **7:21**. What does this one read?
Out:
**9:16**
